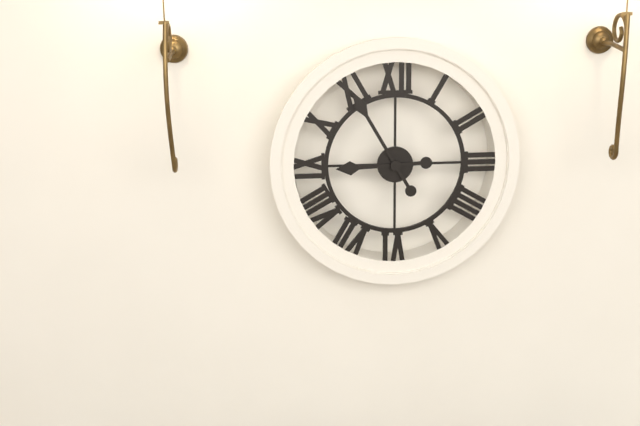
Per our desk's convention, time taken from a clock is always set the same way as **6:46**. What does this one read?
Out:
**8:55**
